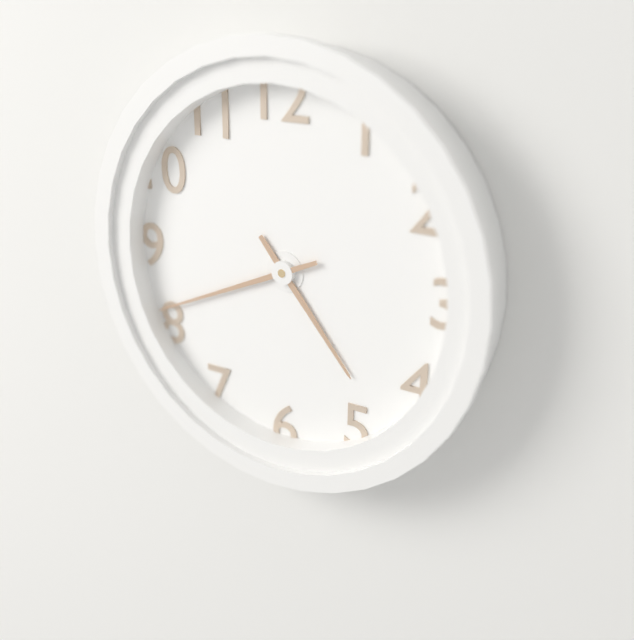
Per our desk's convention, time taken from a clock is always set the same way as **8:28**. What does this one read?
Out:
**4:41**
